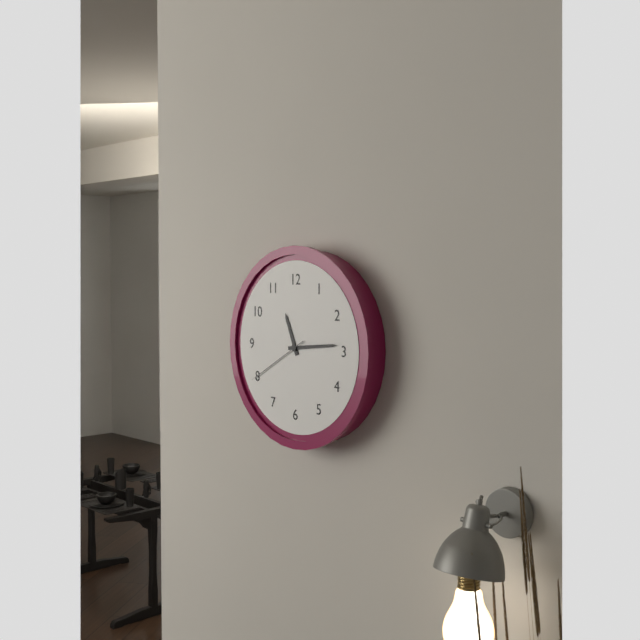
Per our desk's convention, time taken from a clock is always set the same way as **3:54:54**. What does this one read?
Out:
**11:14:40**
